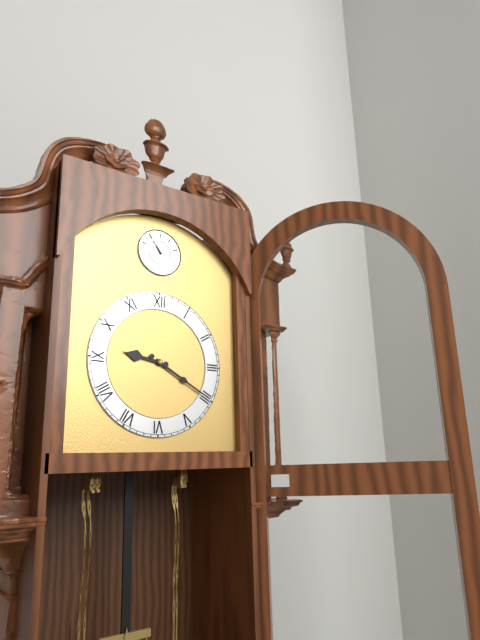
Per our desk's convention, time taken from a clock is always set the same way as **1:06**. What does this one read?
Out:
**9:20**
